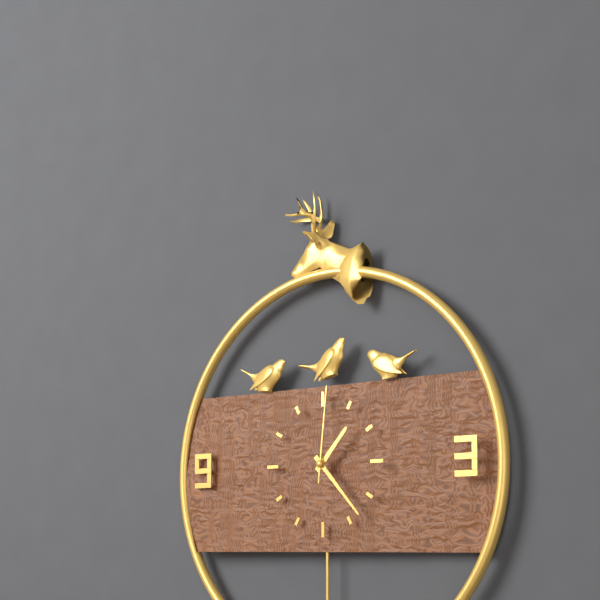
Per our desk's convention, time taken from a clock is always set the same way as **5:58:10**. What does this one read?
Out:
**1:23:01**
